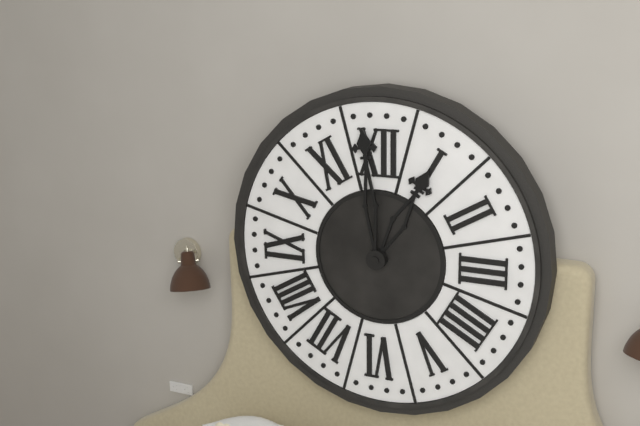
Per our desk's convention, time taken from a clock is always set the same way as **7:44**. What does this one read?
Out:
**12:59**
